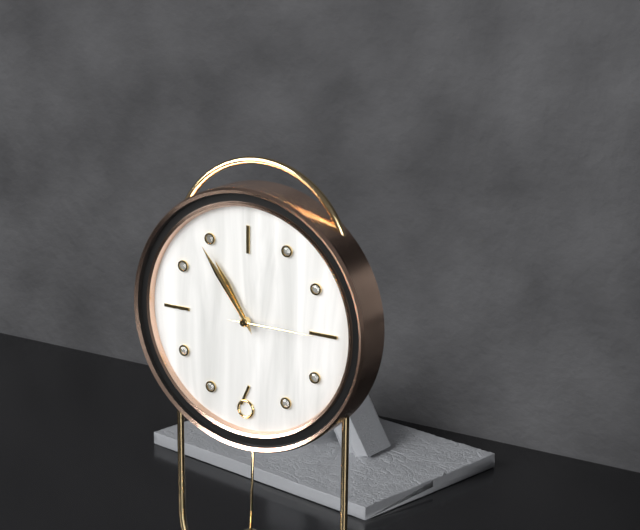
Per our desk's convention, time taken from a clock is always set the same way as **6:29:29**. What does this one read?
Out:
**10:54:15**
